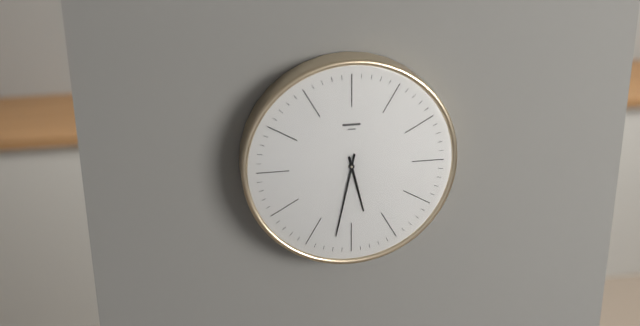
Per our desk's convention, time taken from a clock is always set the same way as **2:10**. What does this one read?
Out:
**5:32**
